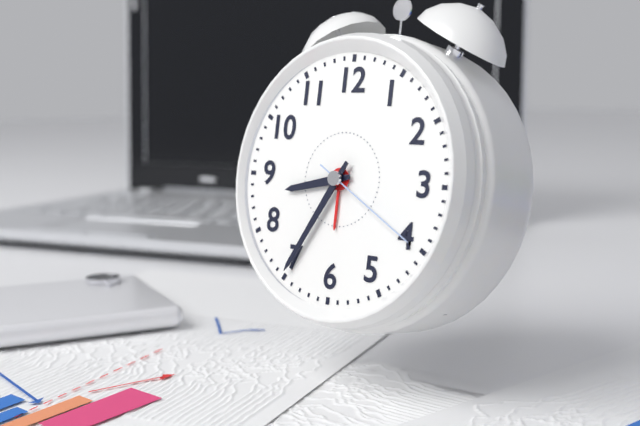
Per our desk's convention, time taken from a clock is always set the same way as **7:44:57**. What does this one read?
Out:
**8:35:20**
